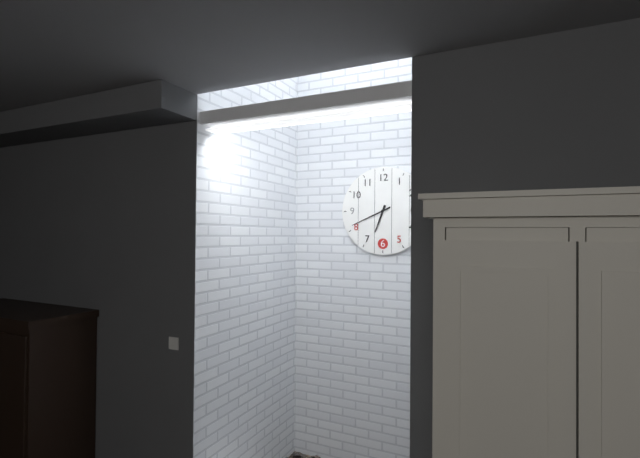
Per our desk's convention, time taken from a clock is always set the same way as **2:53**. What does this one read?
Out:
**6:41**
